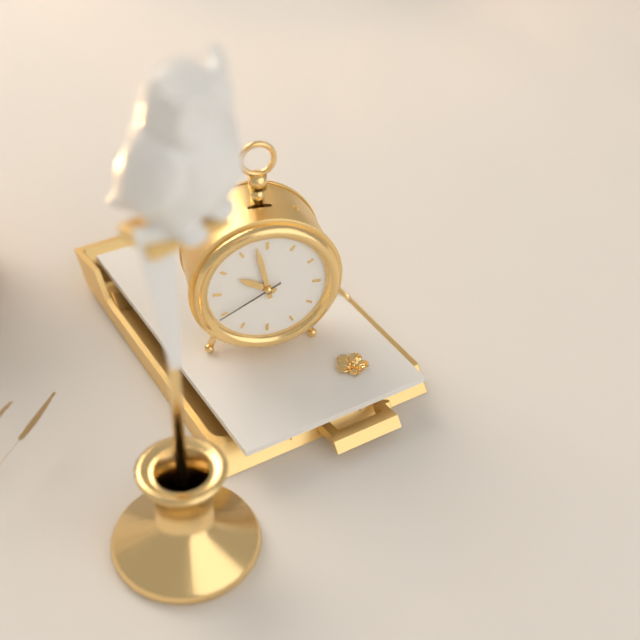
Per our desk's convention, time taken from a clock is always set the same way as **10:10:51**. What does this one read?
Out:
**9:58:40**
